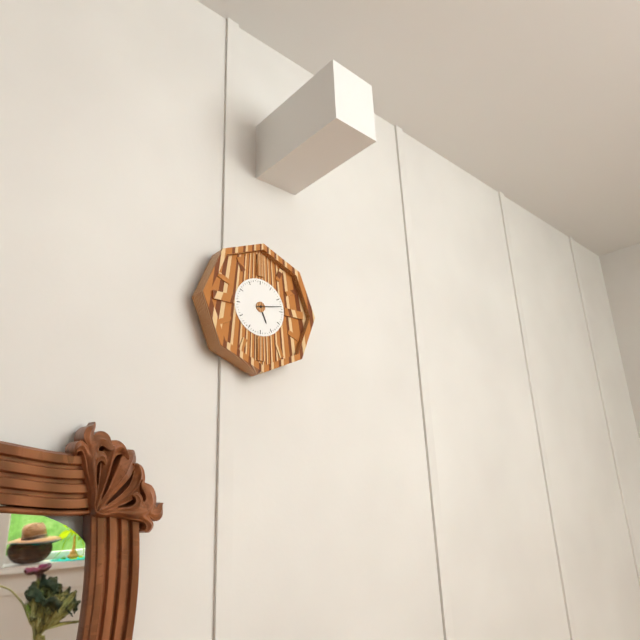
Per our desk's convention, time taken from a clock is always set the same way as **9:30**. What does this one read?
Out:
**5:13**
